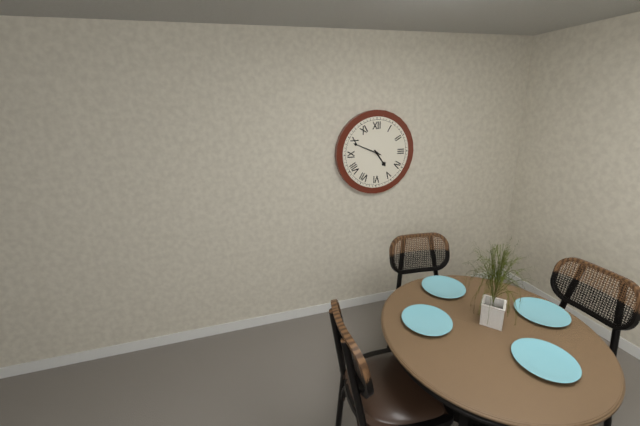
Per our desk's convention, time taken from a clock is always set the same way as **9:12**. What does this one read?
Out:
**4:49**
